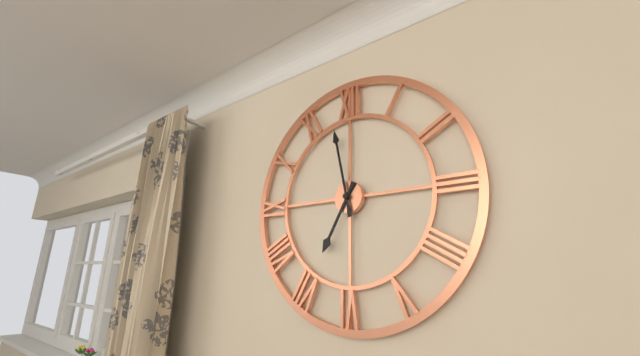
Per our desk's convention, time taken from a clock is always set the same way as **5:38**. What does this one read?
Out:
**6:58**
